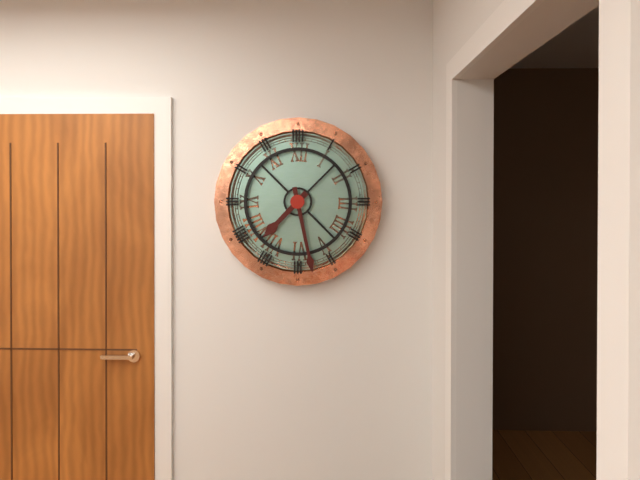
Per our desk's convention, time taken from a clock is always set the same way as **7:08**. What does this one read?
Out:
**7:28**
